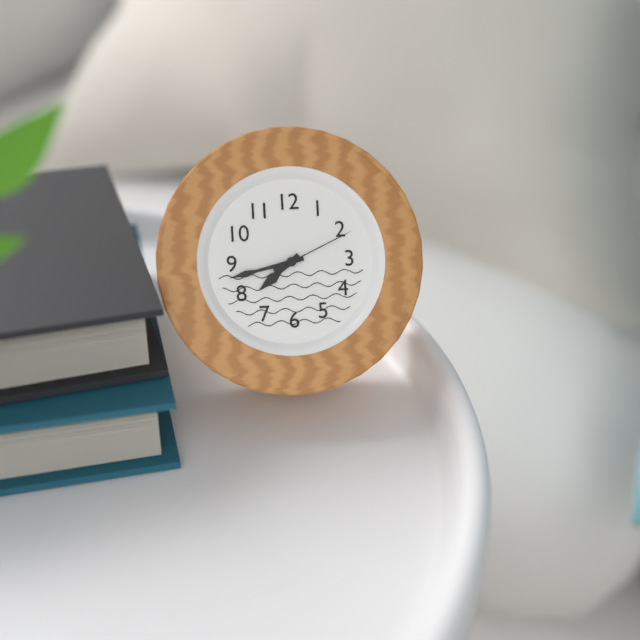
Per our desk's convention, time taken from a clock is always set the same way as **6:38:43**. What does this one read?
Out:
**7:43:11**
